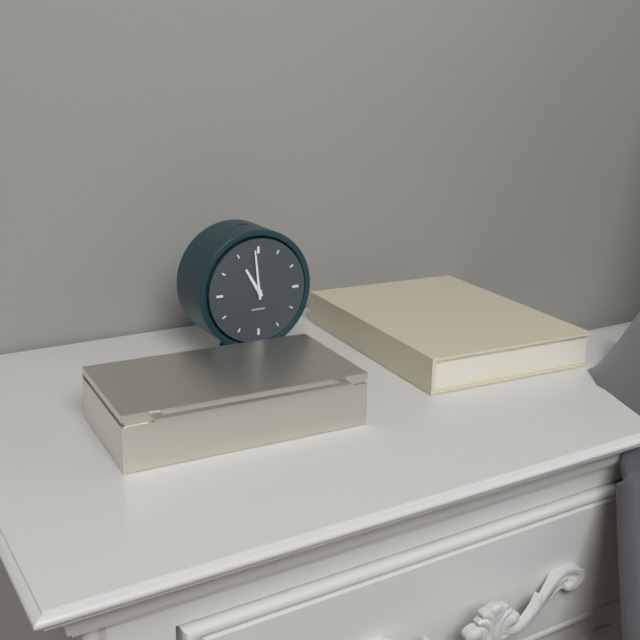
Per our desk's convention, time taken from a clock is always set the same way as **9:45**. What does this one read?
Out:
**10:59**
